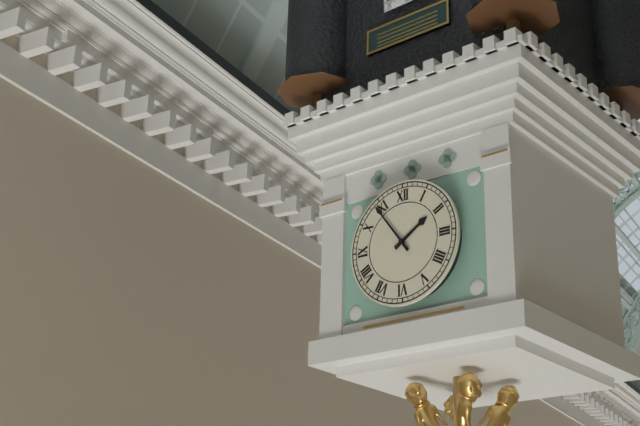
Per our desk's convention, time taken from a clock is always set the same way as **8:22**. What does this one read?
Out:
**1:54**
